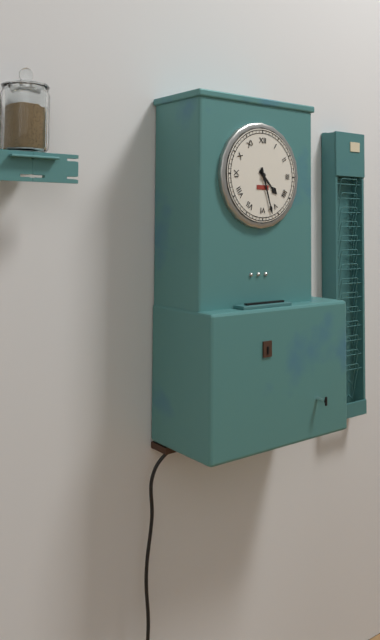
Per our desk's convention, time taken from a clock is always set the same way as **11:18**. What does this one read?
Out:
**4:27**
